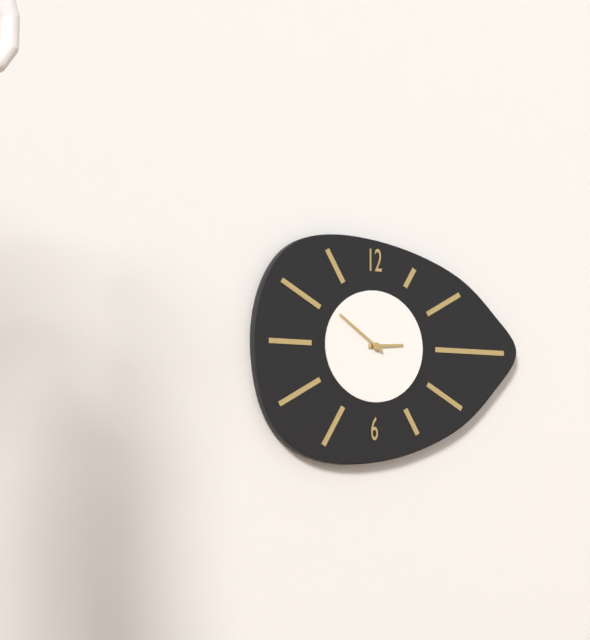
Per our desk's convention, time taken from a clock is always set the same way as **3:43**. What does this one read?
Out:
**2:51**
